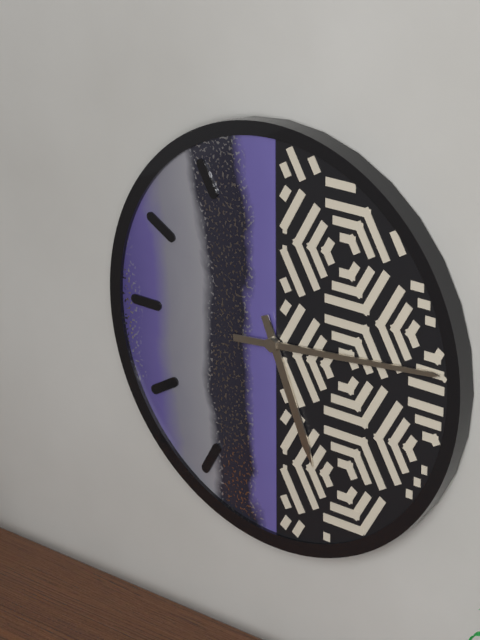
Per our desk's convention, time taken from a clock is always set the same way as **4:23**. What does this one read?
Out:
**5:14**
